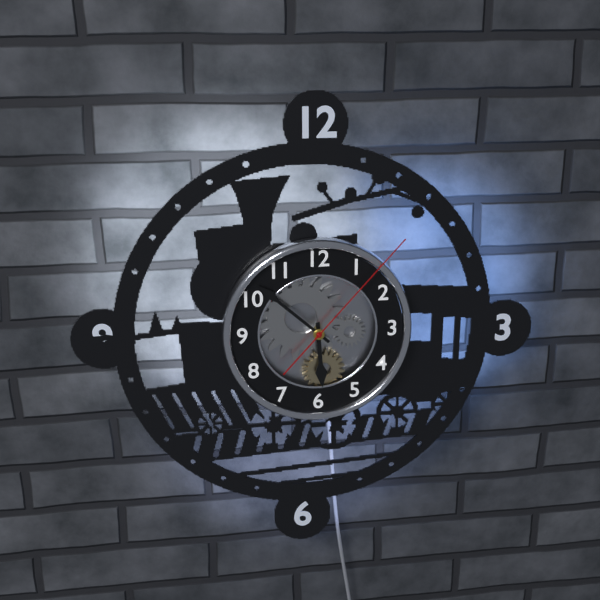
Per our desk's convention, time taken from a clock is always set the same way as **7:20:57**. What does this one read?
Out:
**5:52:07**
